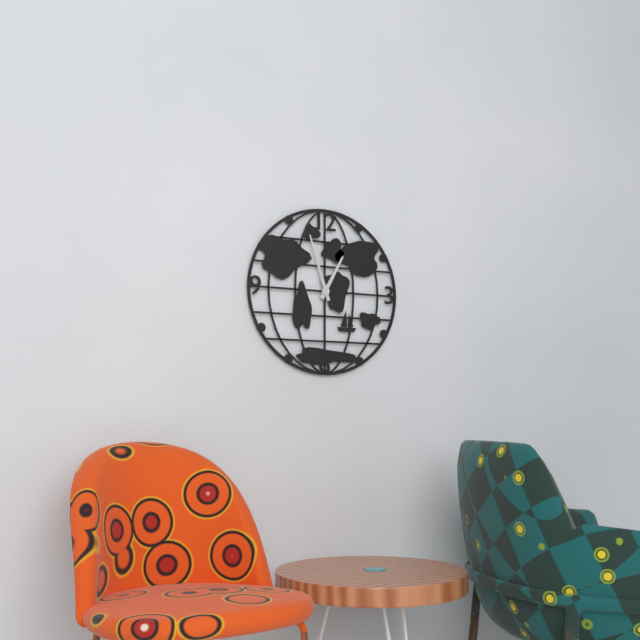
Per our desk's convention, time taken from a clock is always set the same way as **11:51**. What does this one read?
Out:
**12:57**
